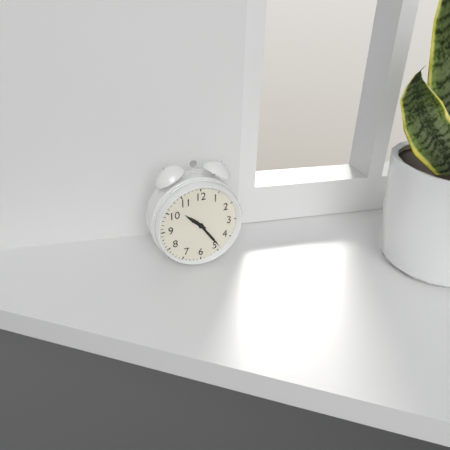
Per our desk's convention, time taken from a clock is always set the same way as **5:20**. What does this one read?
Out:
**10:24**
